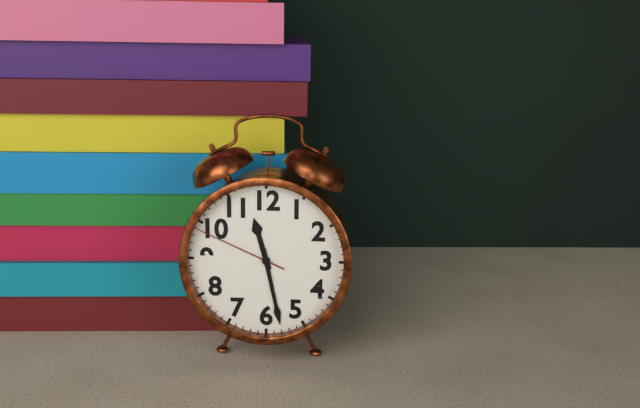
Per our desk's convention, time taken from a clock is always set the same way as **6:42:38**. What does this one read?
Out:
**11:28:49**
